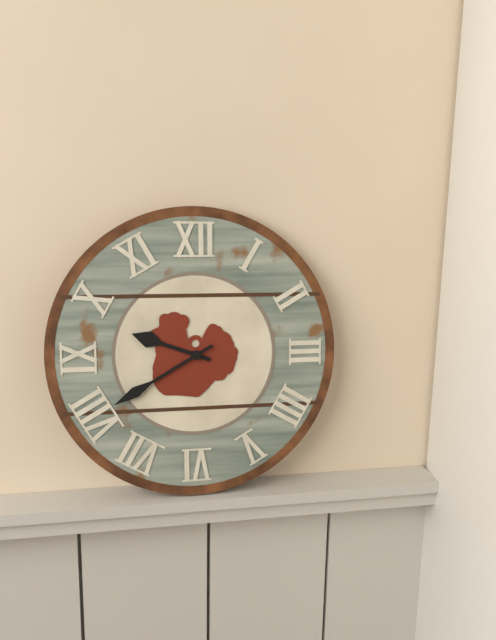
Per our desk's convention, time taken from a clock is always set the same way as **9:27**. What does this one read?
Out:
**9:40**
